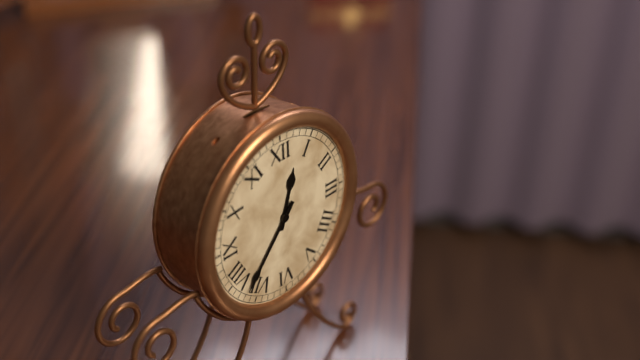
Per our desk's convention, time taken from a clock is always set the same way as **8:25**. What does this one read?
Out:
**12:37**
